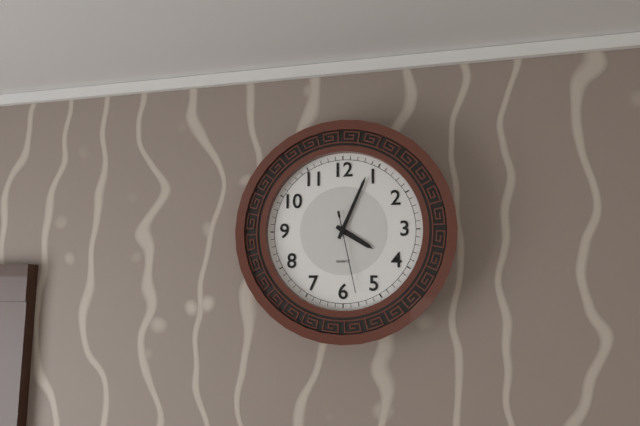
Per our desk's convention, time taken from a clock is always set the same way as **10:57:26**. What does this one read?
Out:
**4:04:28**
